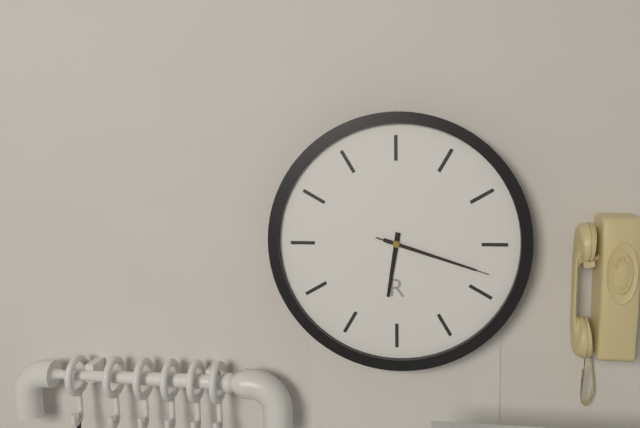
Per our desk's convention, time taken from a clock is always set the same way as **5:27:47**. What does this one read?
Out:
**6:18:18**
